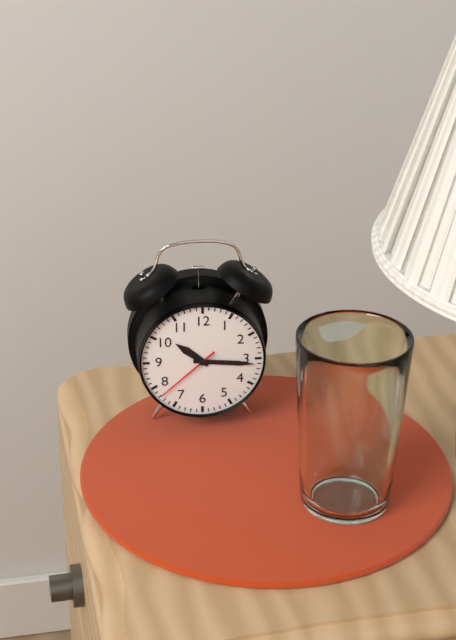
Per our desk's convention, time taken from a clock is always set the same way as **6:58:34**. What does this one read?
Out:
**10:16:38**
